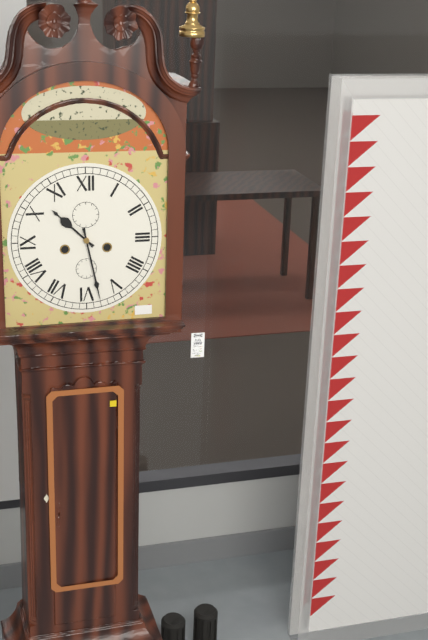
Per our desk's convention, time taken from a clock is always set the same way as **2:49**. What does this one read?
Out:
**10:28**
